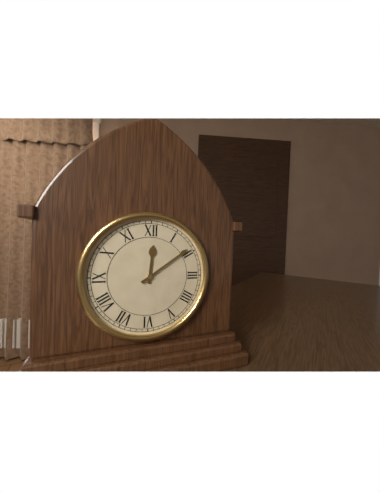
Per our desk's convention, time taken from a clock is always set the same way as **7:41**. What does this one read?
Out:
**12:09**
